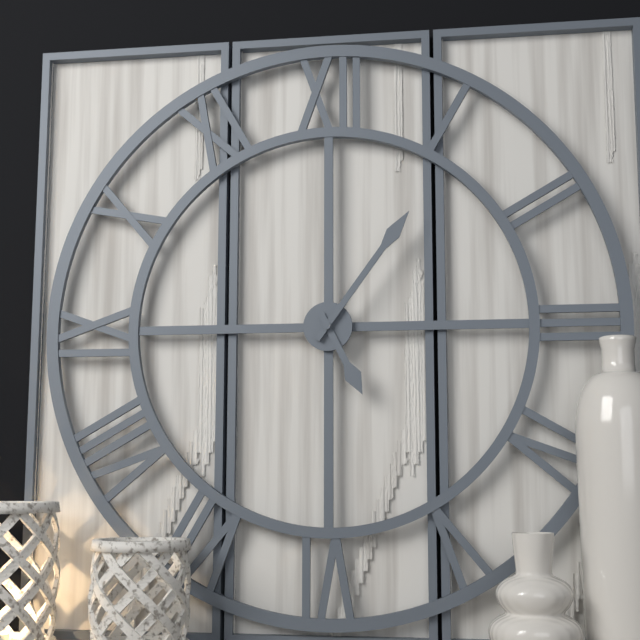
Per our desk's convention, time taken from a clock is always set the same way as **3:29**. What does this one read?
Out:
**5:06**
